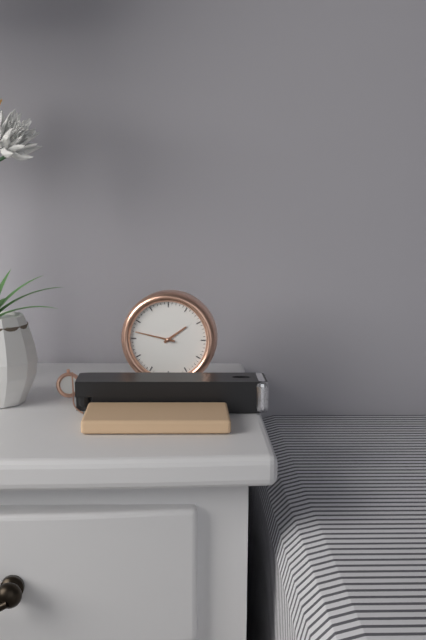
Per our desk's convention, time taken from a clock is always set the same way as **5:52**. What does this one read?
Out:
**1:47**
